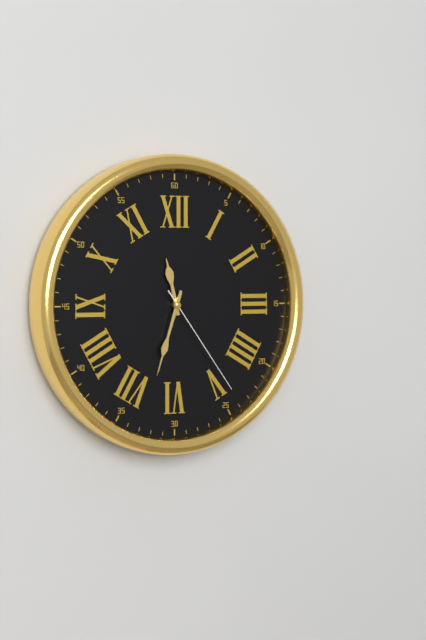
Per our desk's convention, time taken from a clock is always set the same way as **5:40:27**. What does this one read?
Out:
**11:33:24**
